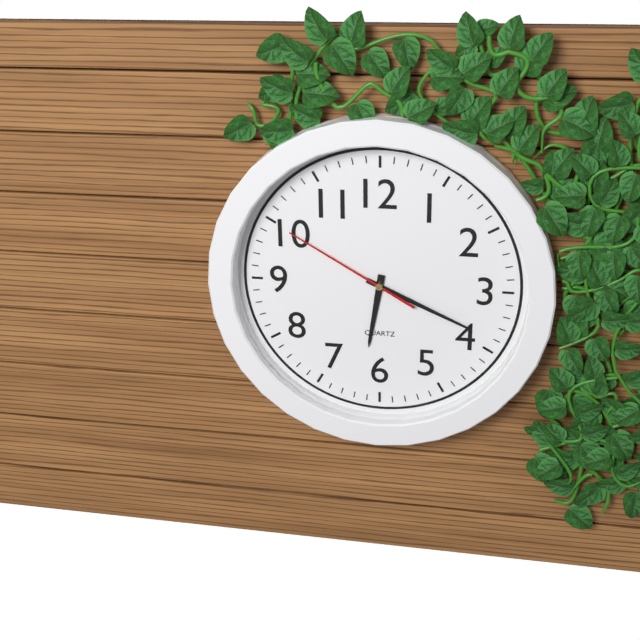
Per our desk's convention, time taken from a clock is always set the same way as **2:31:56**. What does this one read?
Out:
**6:19:50**
